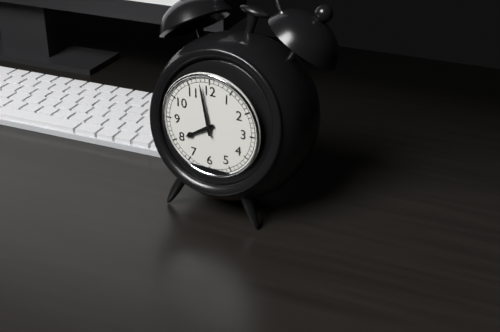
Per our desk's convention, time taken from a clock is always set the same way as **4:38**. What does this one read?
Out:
**7:58**
